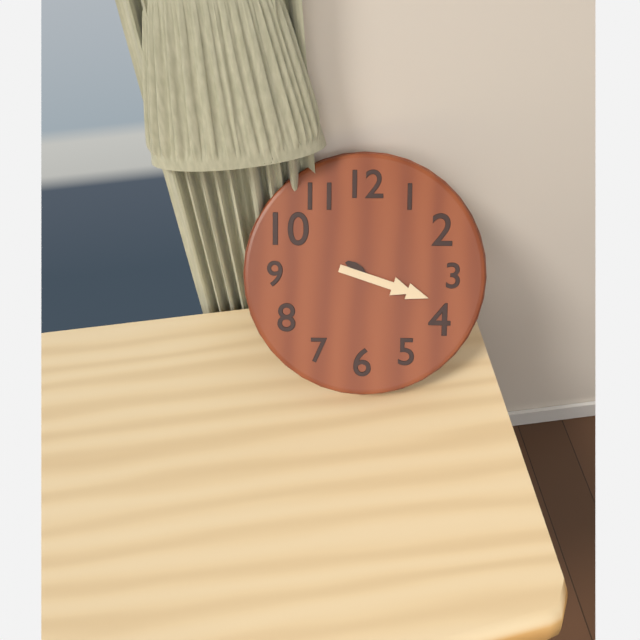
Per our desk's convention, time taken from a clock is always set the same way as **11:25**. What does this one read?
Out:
**10:18**
